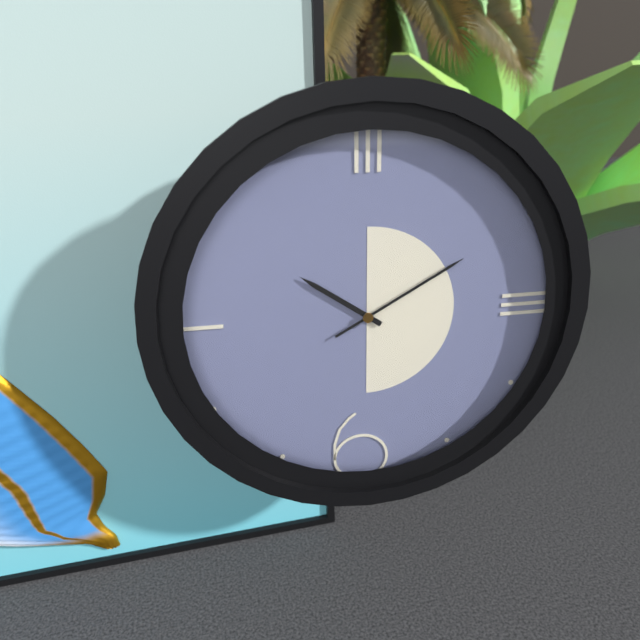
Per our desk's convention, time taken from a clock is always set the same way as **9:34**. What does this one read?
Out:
**10:10**
